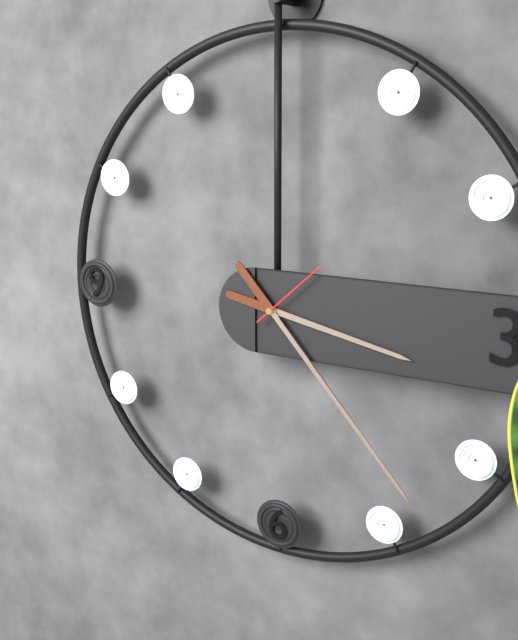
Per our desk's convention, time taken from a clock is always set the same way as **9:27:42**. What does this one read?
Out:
**3:23:08**
